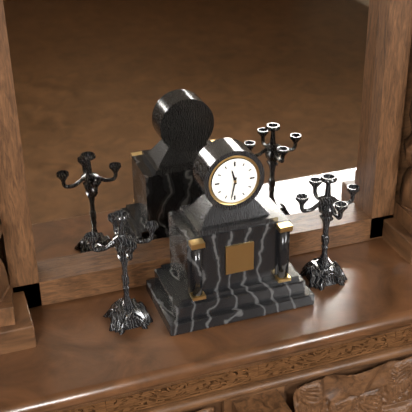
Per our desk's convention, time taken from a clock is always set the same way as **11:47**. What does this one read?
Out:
**11:32**
